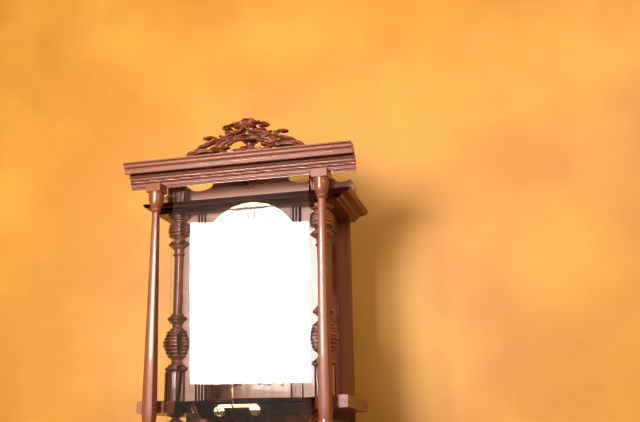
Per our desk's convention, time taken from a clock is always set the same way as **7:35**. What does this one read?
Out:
**10:37**
